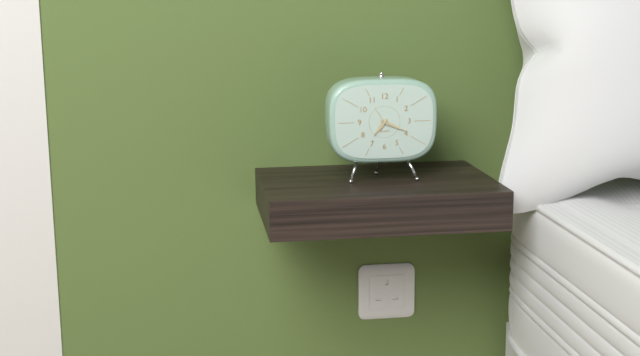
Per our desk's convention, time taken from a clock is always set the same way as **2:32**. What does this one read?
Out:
**7:19**
